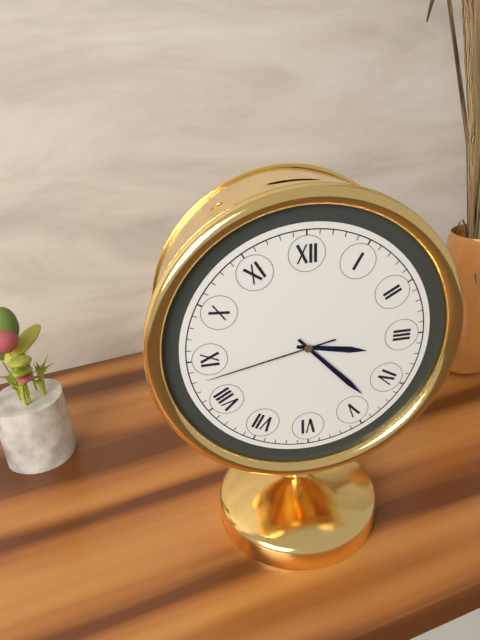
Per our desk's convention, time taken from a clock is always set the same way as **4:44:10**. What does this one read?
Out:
**3:23:43**
